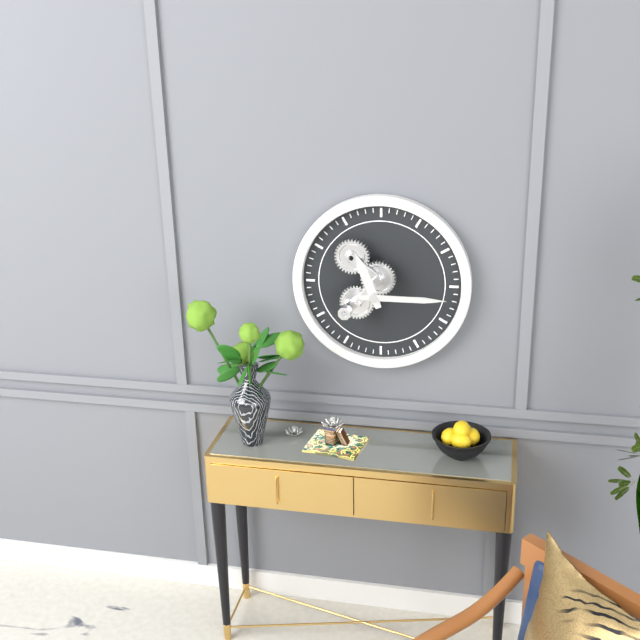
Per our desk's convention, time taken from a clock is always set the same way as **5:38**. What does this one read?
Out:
**11:15**
